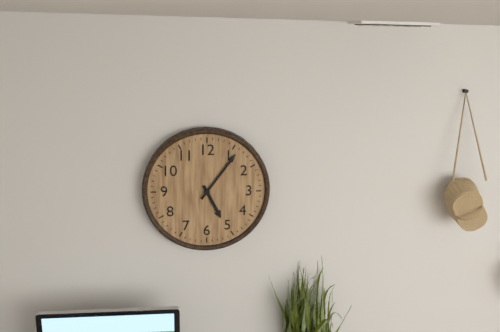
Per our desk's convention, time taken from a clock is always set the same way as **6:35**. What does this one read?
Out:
**5:06**
